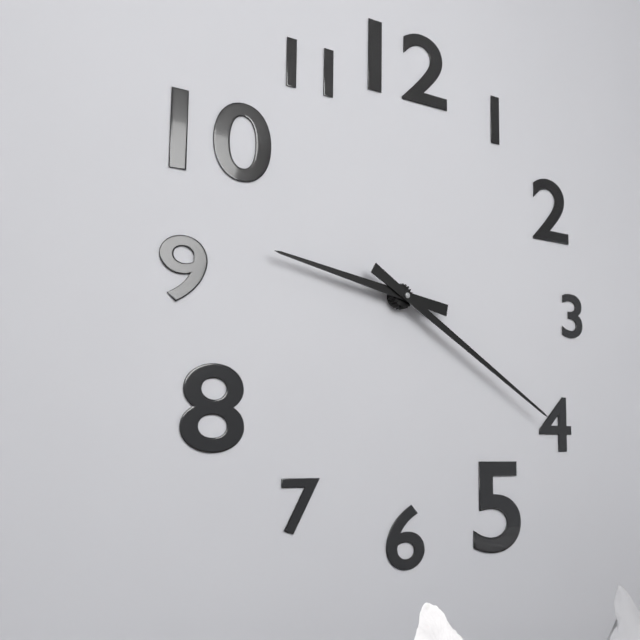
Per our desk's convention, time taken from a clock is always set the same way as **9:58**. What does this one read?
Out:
**9:20**
